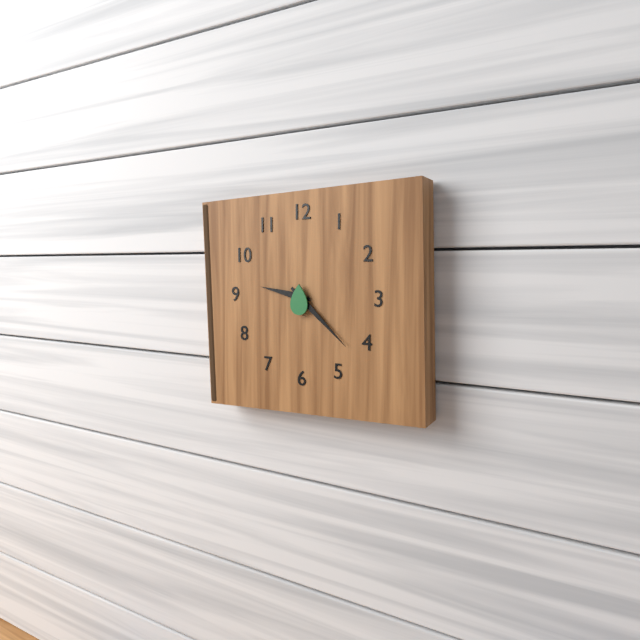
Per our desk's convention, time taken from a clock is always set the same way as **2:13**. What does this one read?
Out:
**9:22**
